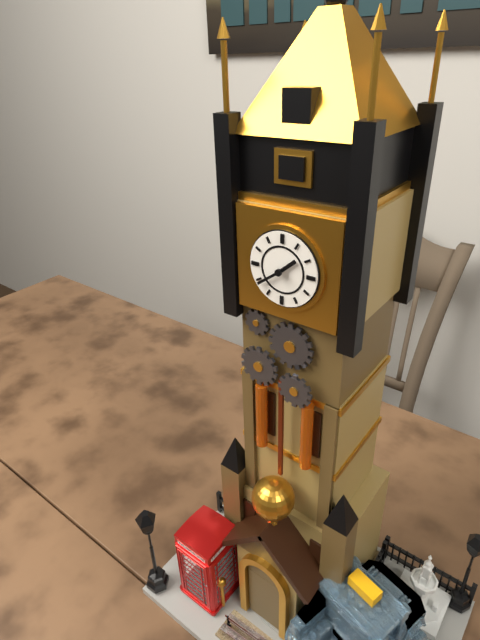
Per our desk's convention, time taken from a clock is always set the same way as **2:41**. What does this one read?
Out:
**1:39**
